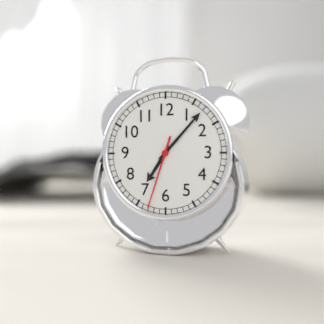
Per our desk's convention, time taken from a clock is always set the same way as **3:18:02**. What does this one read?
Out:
**7:07:33**
